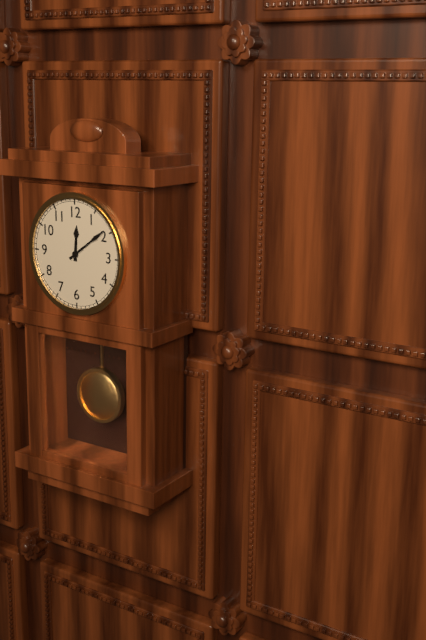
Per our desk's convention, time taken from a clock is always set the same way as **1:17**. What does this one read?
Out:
**12:09**
